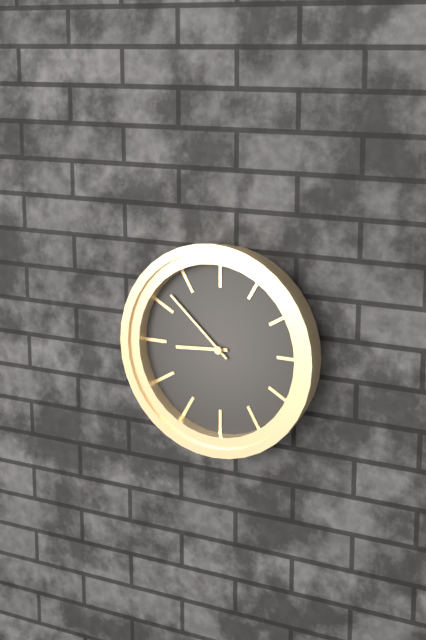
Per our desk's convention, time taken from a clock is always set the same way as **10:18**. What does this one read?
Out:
**8:52**
